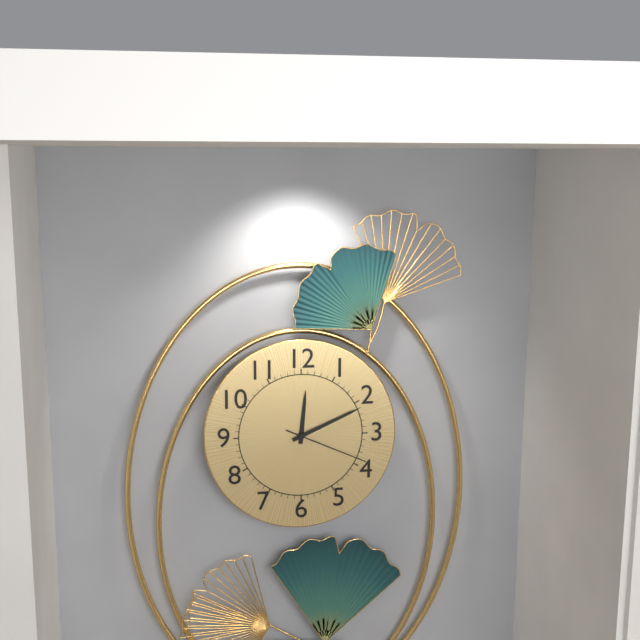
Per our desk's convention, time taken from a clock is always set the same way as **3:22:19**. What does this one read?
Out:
**12:11:19**
